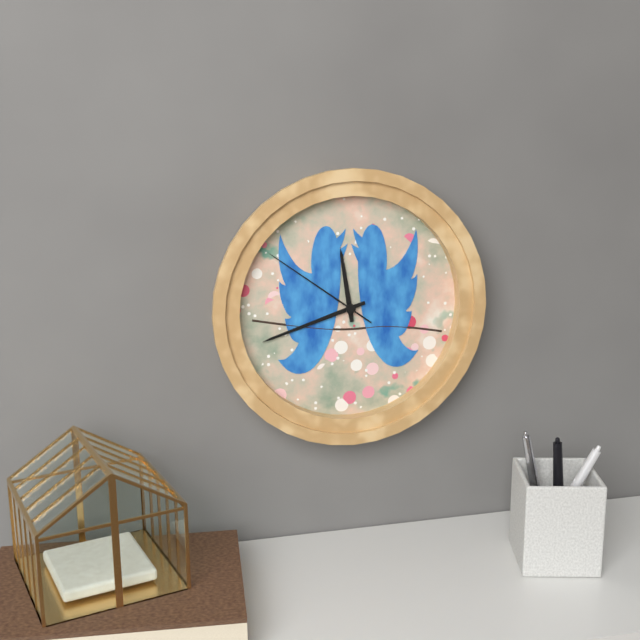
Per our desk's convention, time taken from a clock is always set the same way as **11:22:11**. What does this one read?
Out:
**11:42:51**
